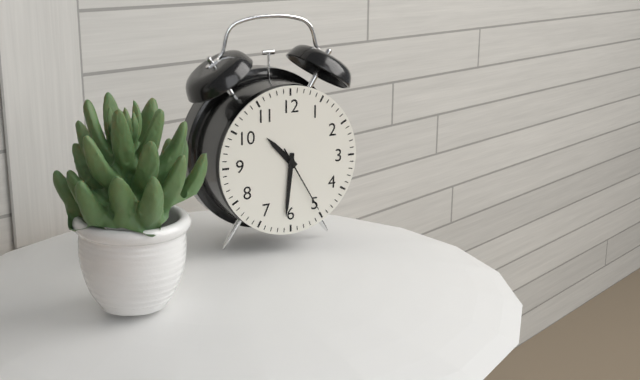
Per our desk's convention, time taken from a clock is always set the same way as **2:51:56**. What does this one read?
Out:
**10:31:25**
